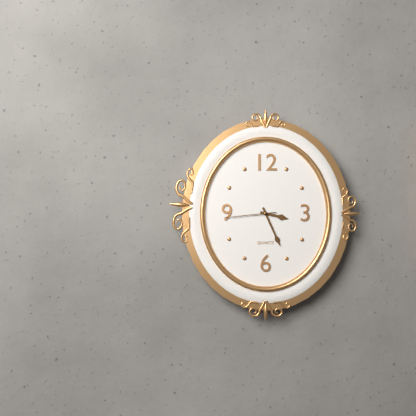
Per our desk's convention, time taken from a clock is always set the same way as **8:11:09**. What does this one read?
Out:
**3:26:44**
